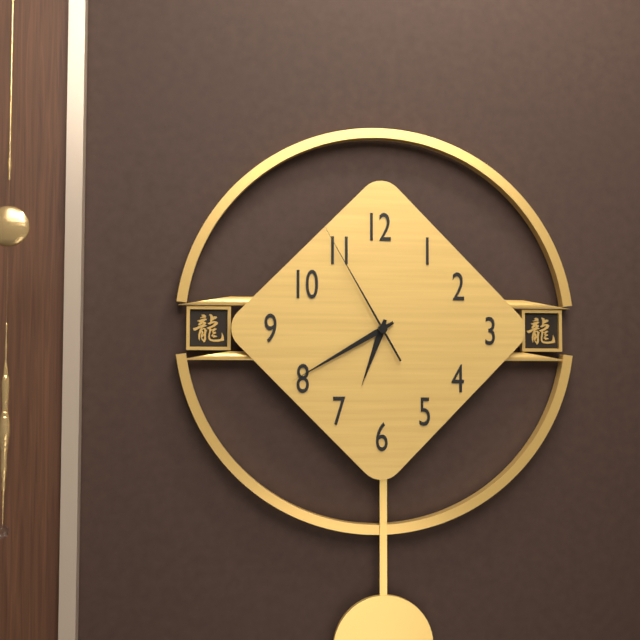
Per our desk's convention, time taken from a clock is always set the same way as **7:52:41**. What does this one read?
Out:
**6:40:55**
